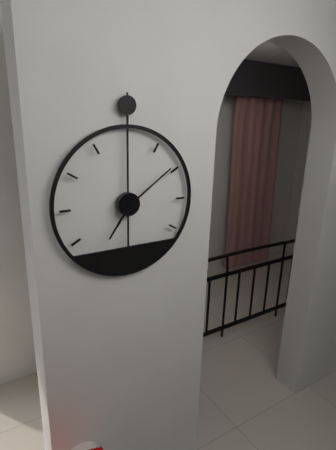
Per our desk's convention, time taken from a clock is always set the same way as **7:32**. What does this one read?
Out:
**7:09**
